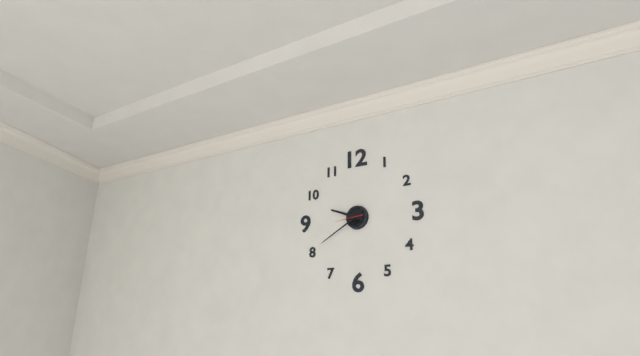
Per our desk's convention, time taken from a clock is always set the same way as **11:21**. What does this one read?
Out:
**9:40**
